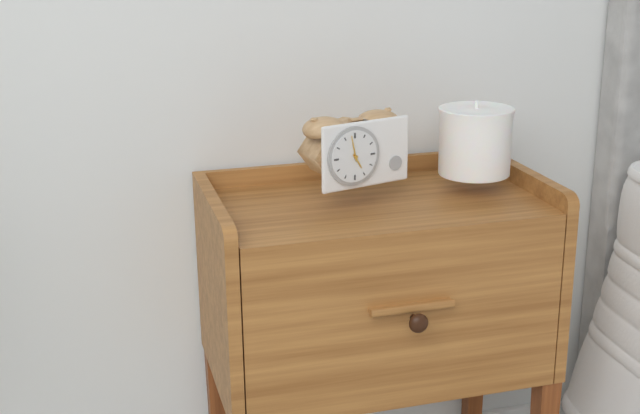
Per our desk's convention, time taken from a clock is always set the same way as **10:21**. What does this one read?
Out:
**4:58**
